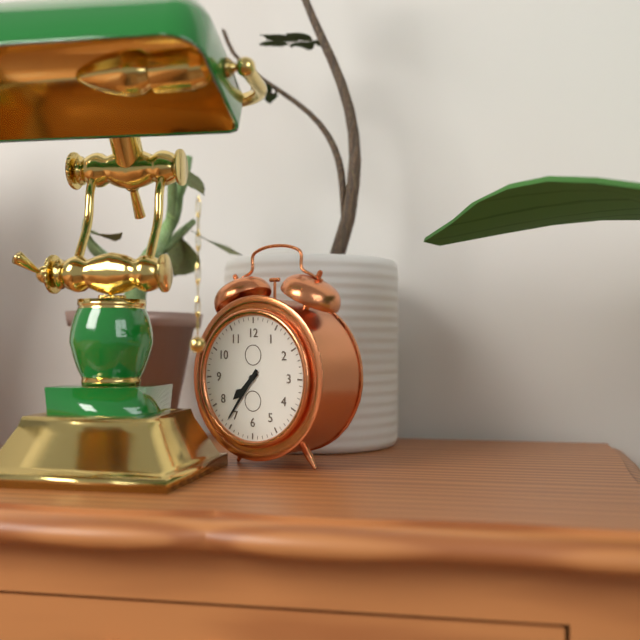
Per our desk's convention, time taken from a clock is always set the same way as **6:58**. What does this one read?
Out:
**7:36**
